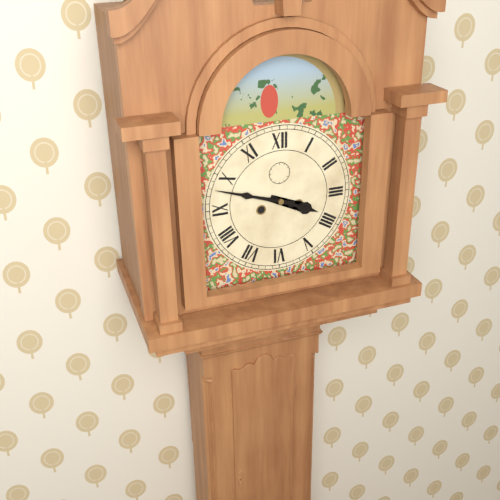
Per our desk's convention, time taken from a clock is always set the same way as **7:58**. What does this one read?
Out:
**3:48**
